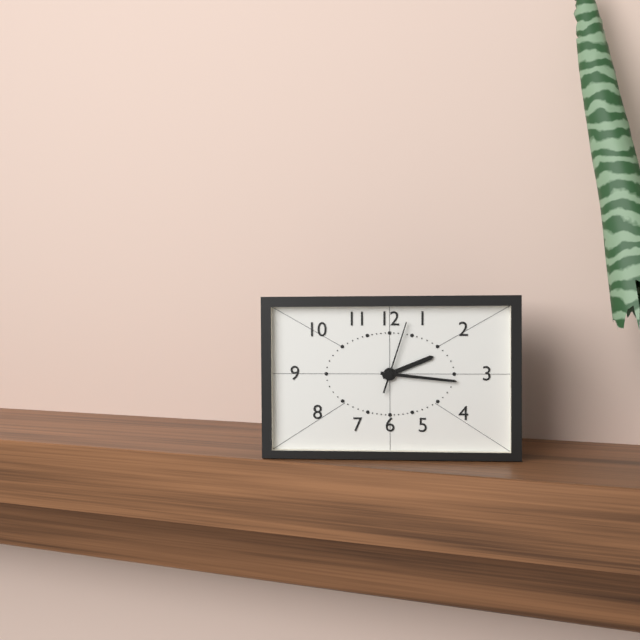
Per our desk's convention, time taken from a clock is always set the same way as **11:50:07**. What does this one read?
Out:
**2:16:03**
